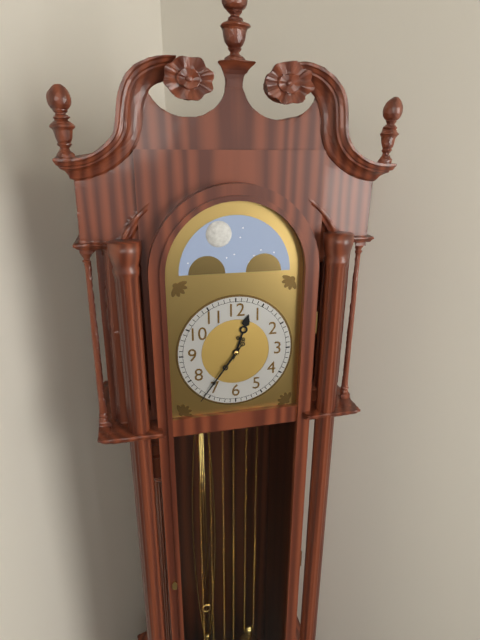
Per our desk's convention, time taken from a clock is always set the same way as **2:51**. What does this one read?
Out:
**12:36**
